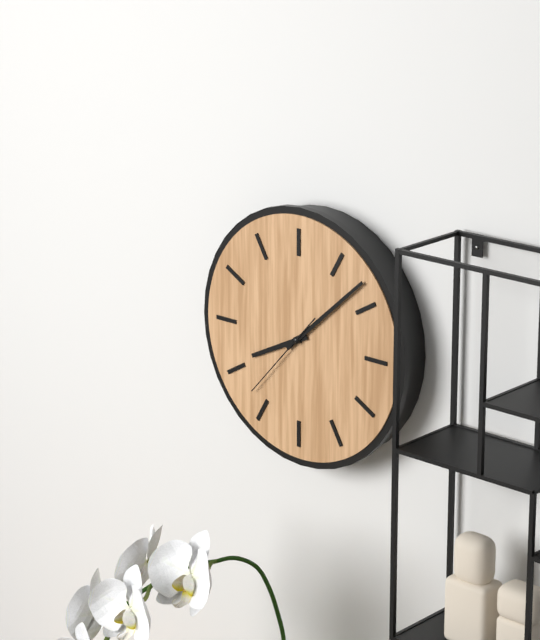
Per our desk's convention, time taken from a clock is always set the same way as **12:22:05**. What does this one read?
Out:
**8:08:37**
